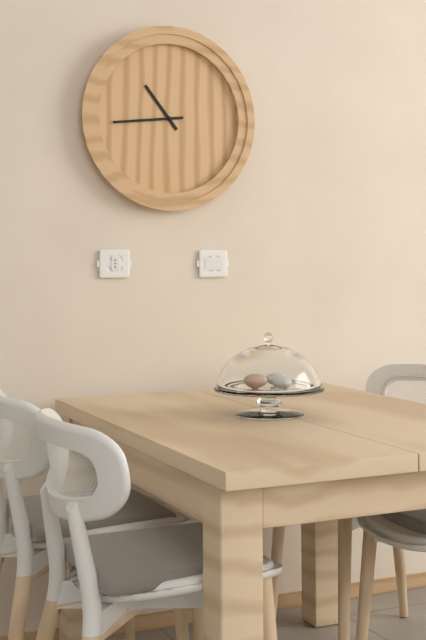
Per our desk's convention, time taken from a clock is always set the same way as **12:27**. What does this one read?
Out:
**10:44**
